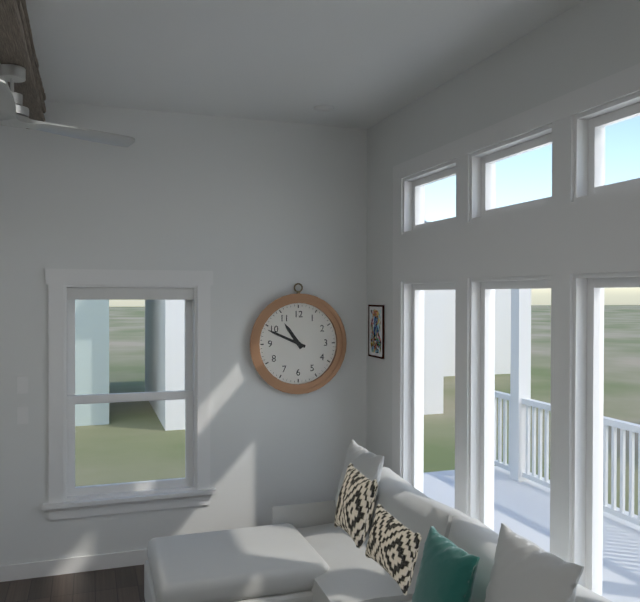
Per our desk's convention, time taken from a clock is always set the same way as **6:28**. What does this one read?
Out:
**10:49**
